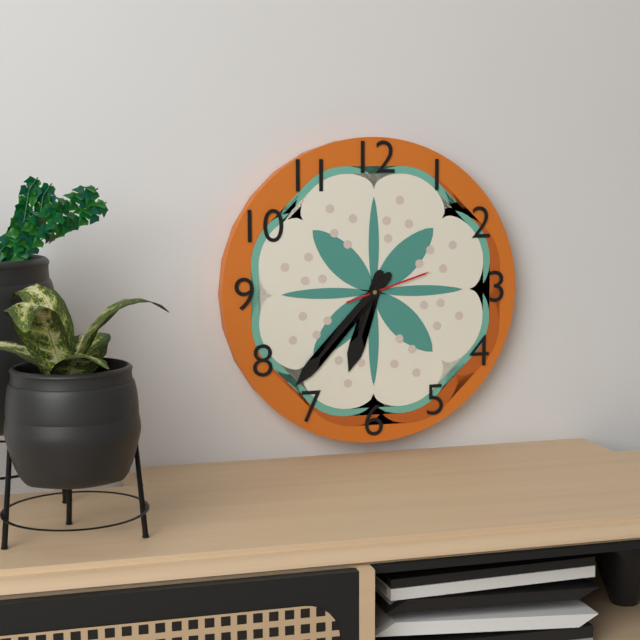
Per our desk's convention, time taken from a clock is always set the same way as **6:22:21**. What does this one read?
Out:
**6:37:12**
